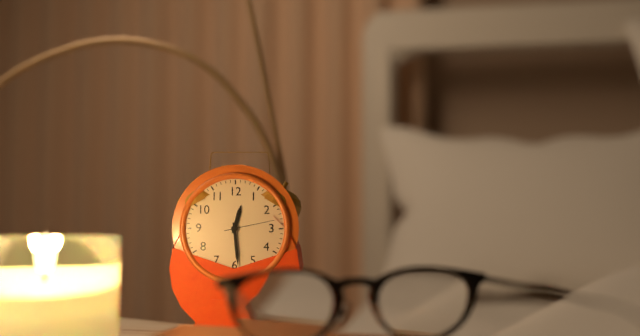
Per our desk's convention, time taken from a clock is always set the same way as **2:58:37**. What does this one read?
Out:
**12:29:13**
